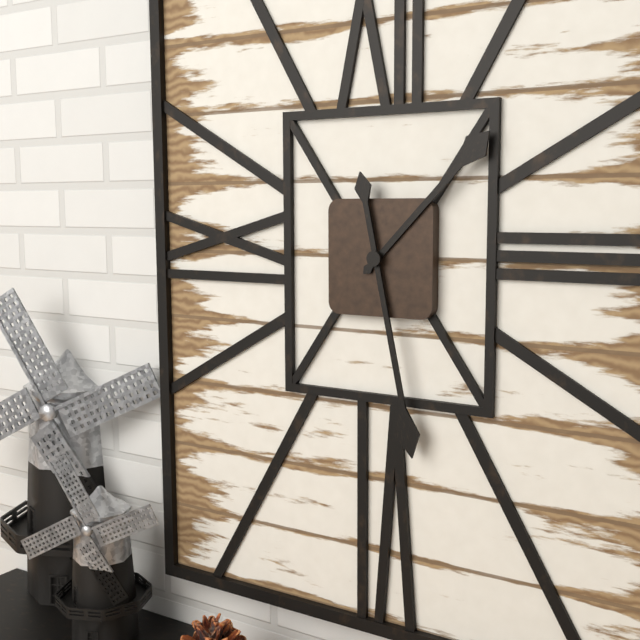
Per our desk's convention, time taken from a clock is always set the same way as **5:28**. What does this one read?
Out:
**1:28**
